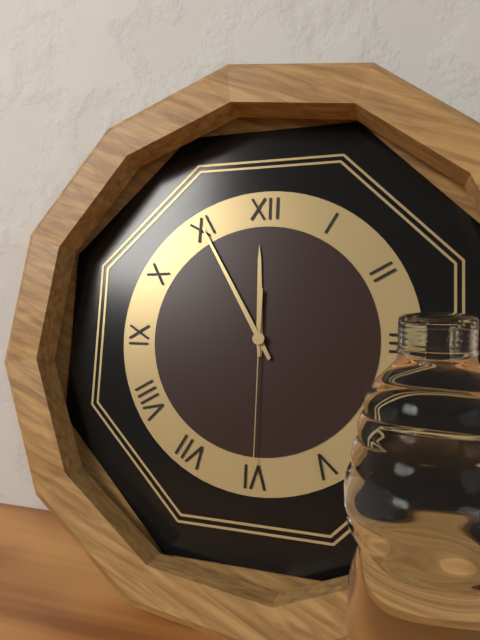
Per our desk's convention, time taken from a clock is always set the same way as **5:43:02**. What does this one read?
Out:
**11:55:30**
